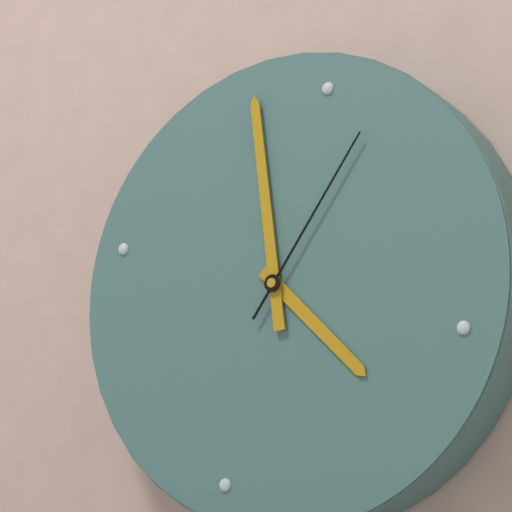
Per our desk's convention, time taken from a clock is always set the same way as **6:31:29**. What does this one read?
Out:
**3:56:03**
